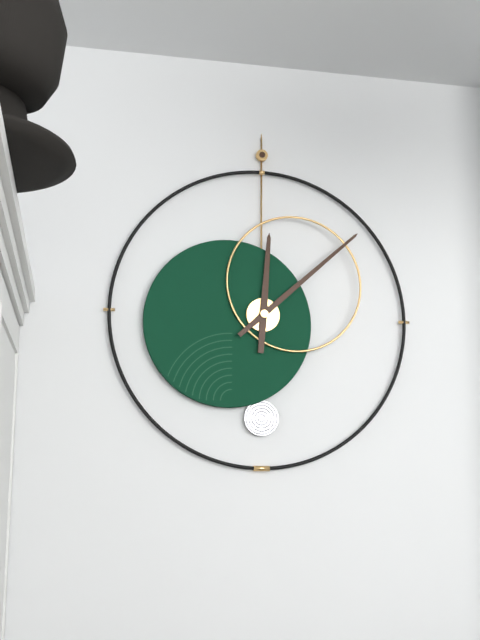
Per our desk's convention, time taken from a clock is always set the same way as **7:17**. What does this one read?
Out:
**12:08**
